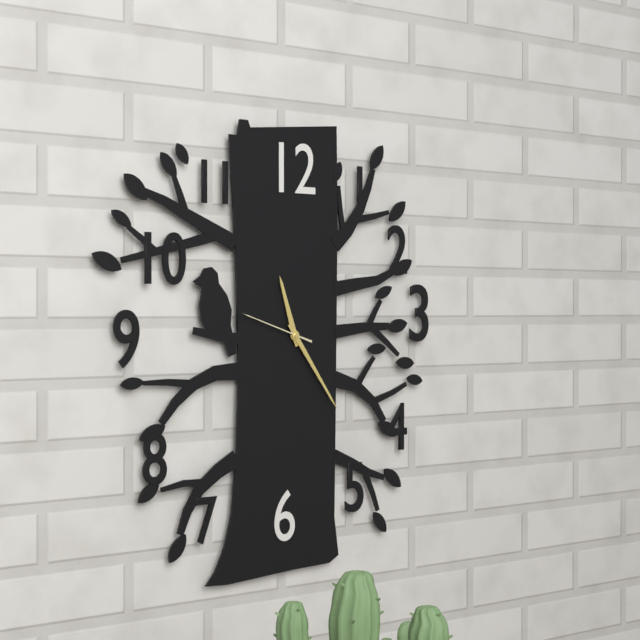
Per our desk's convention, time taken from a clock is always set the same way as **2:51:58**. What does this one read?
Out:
**11:24:48**
